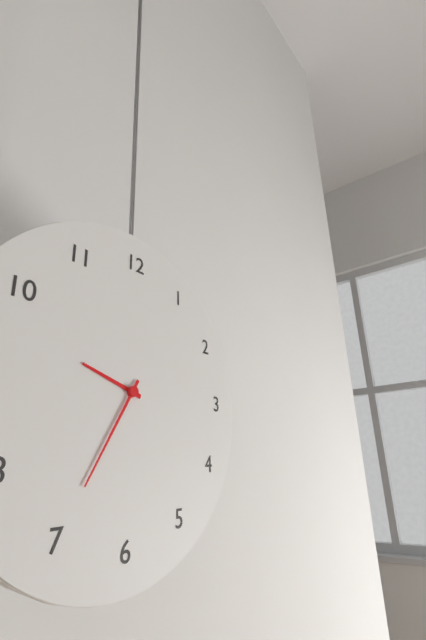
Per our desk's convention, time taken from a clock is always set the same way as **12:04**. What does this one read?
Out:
**9:35**
